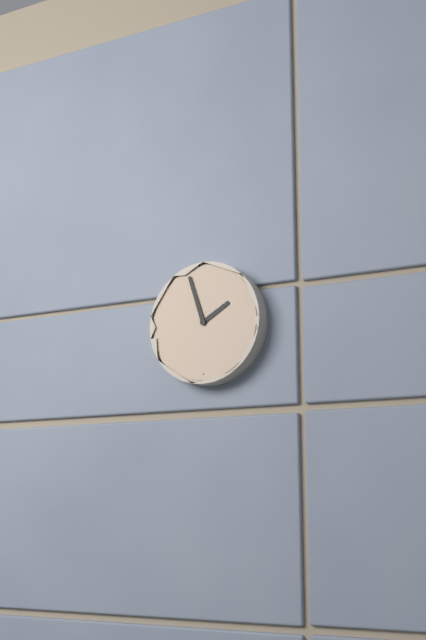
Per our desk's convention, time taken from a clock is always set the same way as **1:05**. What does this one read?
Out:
**1:57**
